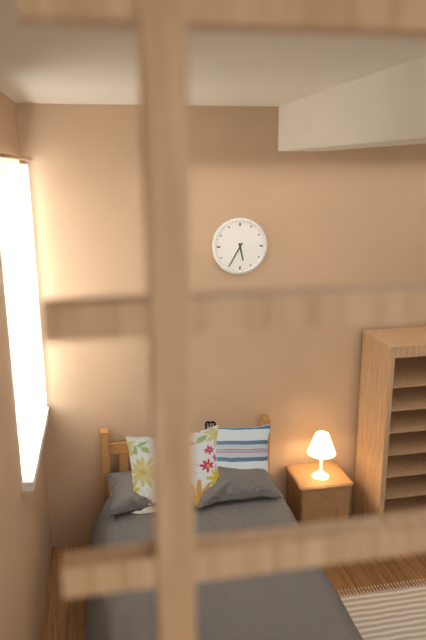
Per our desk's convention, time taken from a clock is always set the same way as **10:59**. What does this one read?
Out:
**5:35**
